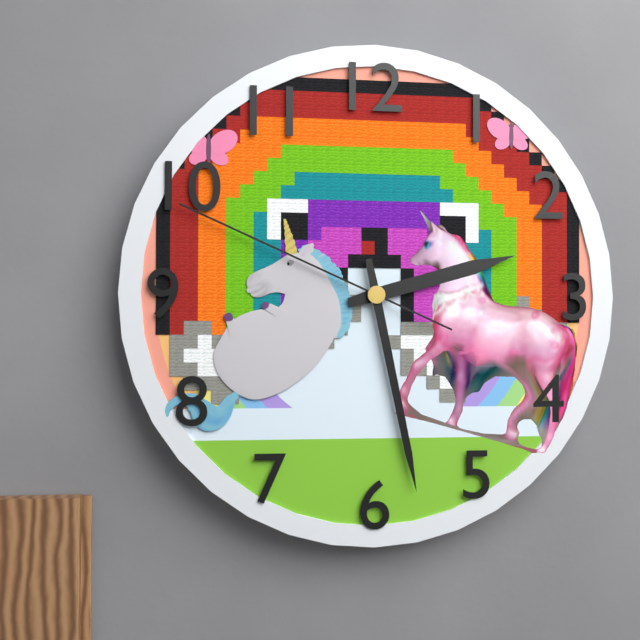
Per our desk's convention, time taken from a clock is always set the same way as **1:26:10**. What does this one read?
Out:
**2:28:49**
